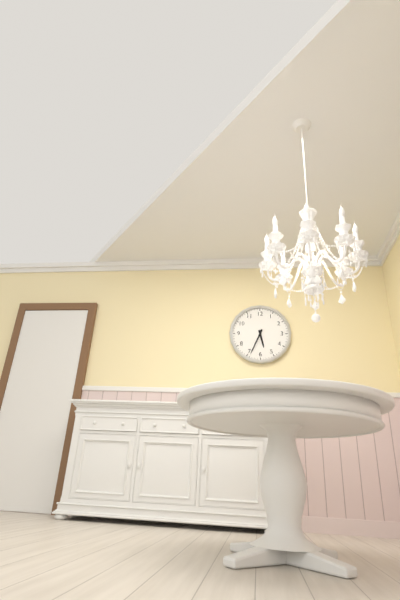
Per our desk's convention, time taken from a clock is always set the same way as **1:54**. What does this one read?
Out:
**5:34**
